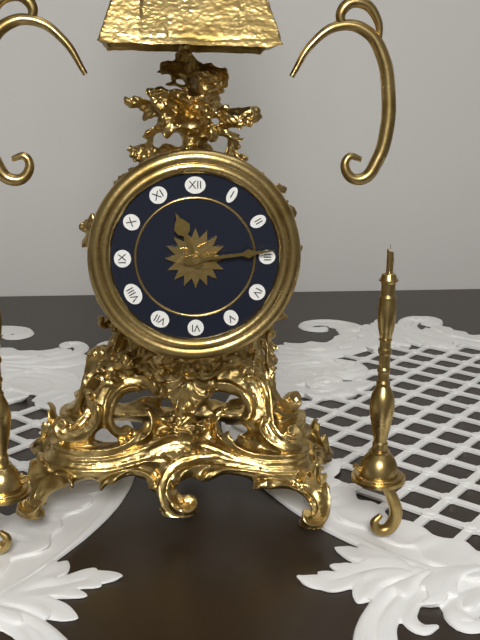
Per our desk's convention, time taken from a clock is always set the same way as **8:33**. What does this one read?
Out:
**11:14**
